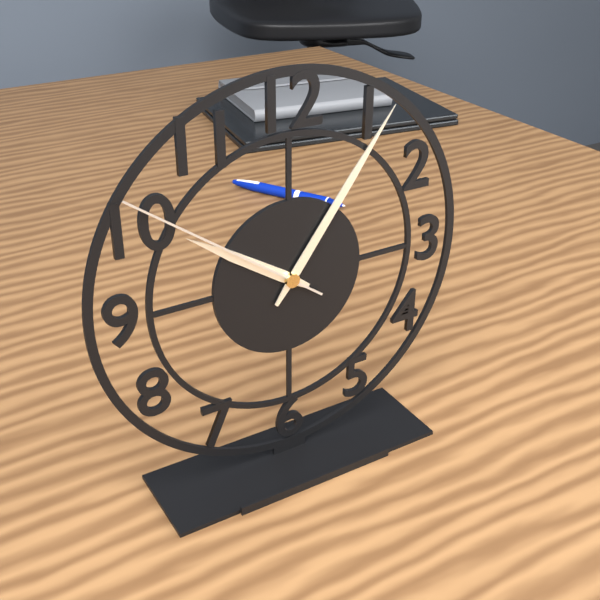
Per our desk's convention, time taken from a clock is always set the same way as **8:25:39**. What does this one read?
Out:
**10:06:51**
